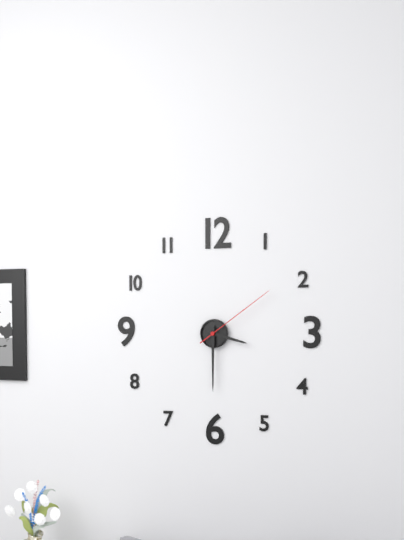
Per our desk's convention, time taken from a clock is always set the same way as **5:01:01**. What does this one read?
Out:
**3:30:09**
